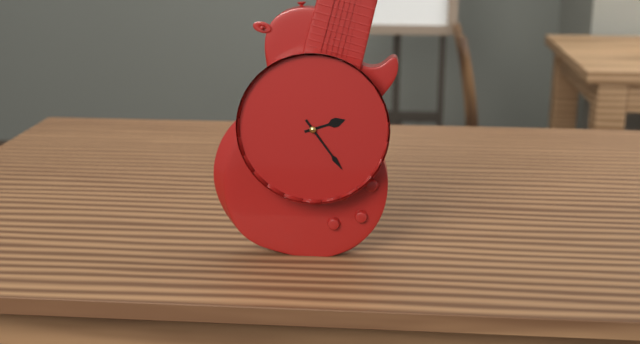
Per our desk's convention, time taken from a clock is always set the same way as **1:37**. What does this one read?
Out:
**2:24**
